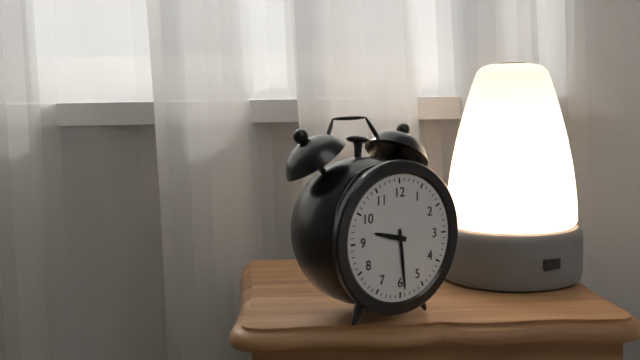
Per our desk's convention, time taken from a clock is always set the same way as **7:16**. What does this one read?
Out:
**9:29**
